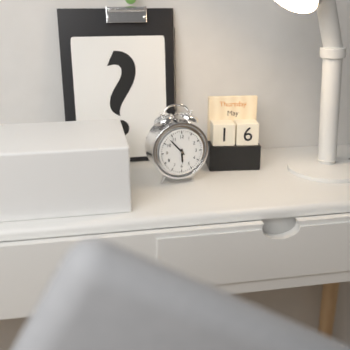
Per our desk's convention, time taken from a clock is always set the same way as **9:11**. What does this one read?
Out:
**5:53**
